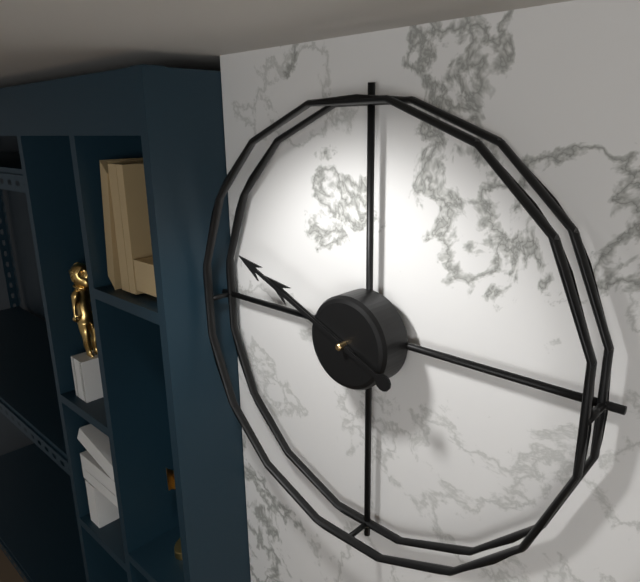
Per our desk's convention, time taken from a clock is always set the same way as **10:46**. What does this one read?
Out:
**9:49**
